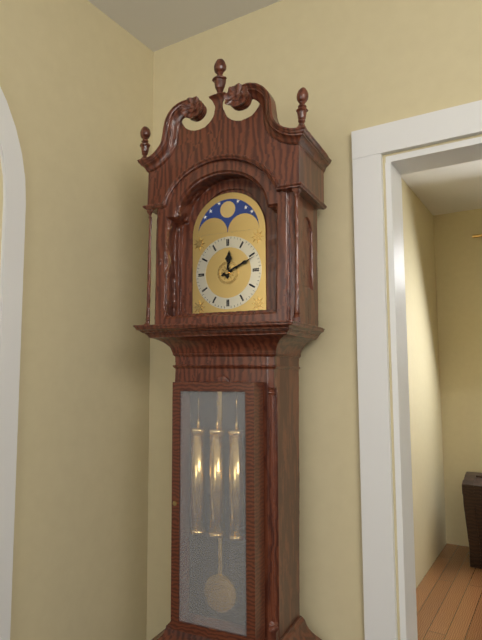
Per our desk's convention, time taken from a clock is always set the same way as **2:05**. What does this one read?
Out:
**12:11**
